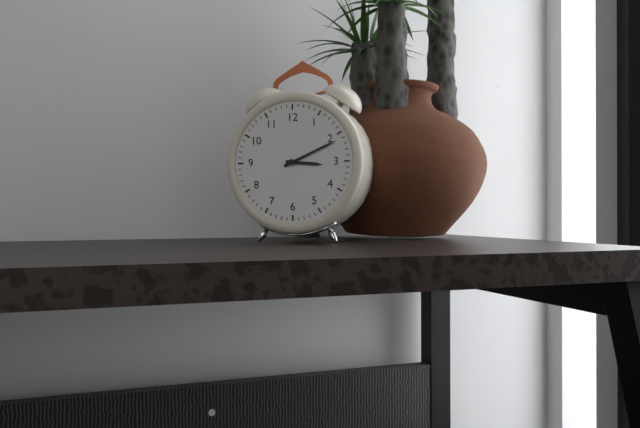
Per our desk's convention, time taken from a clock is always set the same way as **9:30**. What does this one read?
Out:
**3:11**
